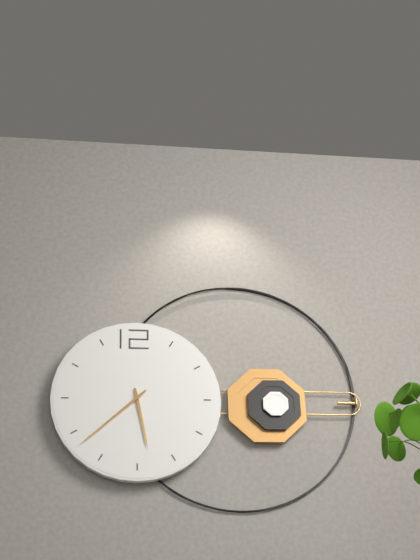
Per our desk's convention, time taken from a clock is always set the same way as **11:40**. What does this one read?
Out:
**5:38**
